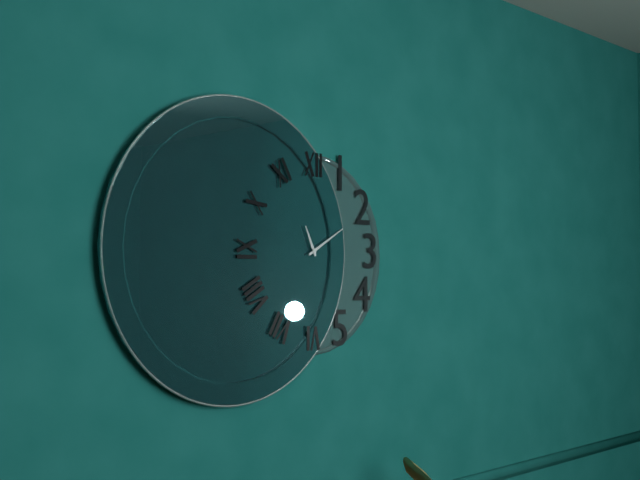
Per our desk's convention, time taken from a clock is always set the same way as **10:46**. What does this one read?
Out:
**11:10**
